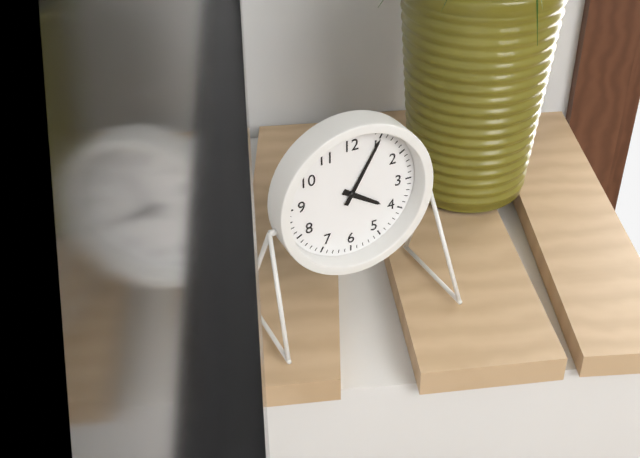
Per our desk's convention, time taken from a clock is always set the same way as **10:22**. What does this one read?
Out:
**4:05**
